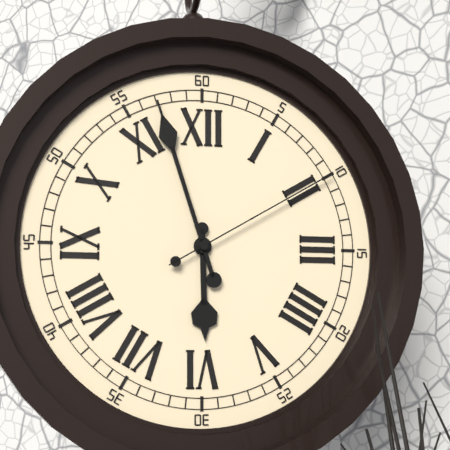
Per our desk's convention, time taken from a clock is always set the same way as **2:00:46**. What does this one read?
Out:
**5:57:10**
